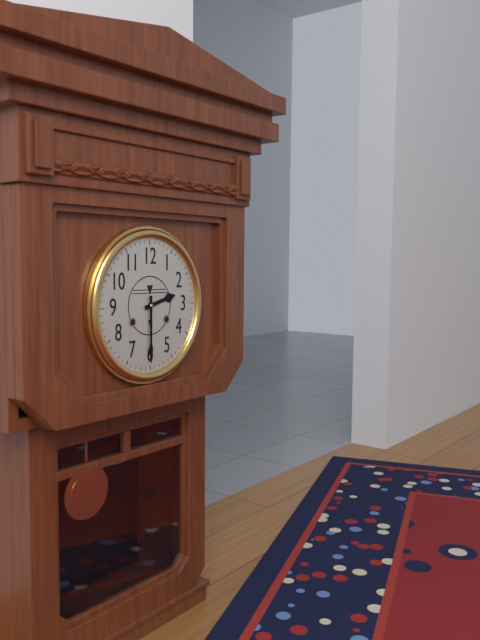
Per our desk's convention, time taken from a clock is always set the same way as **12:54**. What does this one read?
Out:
**2:30**
